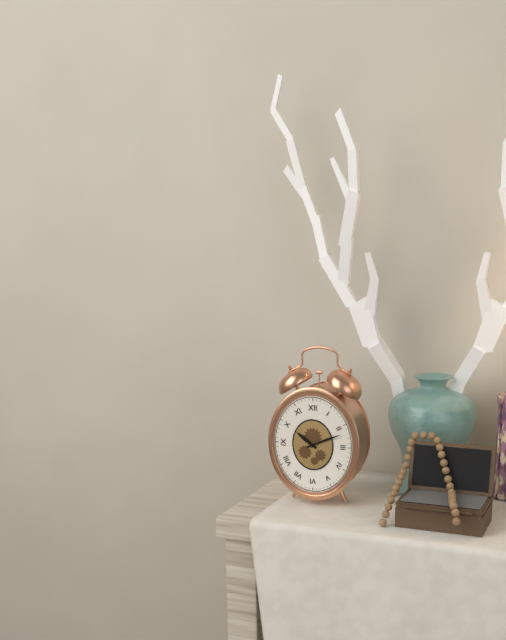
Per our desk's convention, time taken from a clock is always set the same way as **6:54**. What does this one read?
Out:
**10:11**
